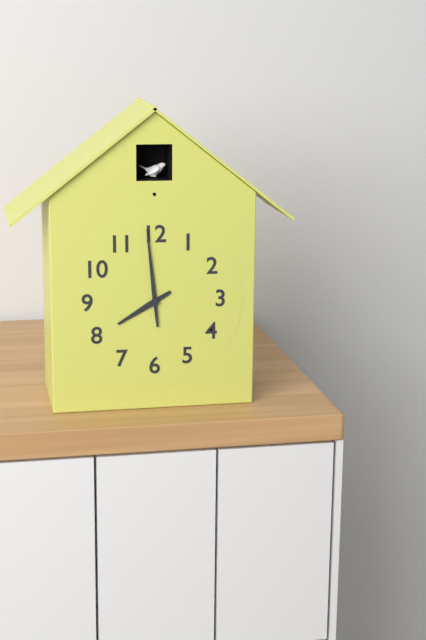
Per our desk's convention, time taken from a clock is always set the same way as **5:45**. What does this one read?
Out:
**7:59**
